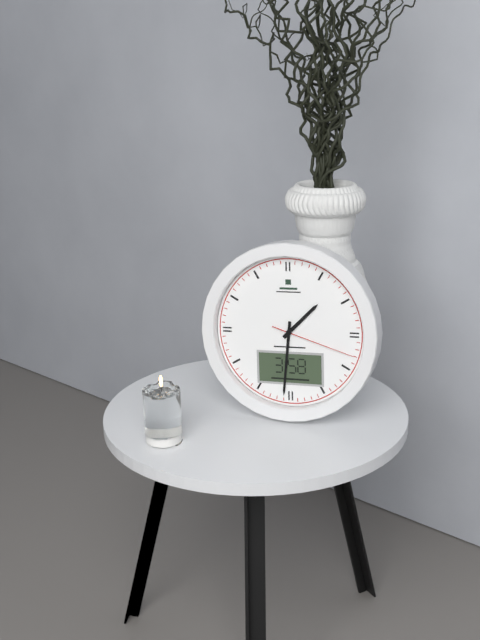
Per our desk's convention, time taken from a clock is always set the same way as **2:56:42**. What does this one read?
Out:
**1:31:18**
